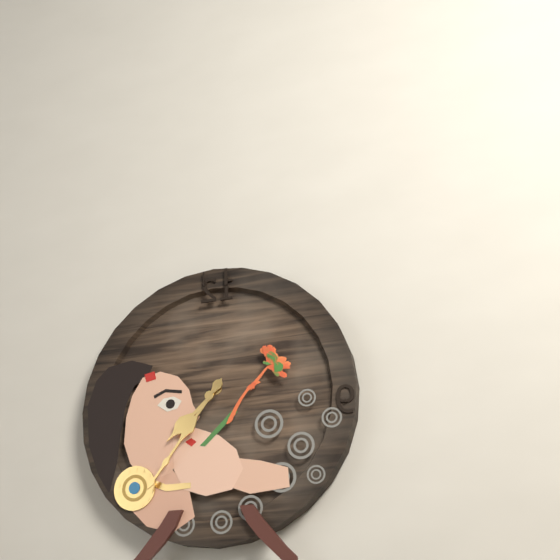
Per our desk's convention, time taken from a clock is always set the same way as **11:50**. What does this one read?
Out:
**7:36**
